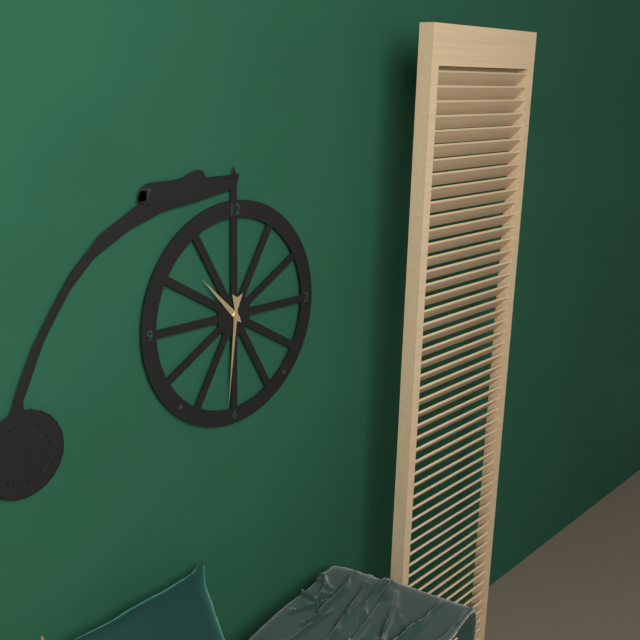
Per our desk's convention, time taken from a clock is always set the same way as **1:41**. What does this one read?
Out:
**10:31**
